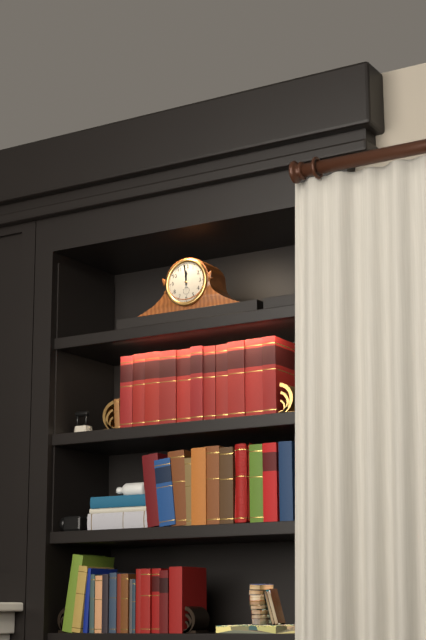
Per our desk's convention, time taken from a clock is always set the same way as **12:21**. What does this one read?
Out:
**11:59**
